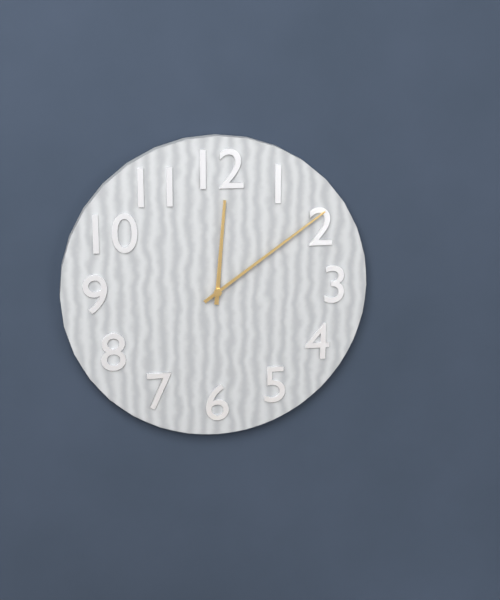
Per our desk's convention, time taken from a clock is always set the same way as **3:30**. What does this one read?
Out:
**12:09**
